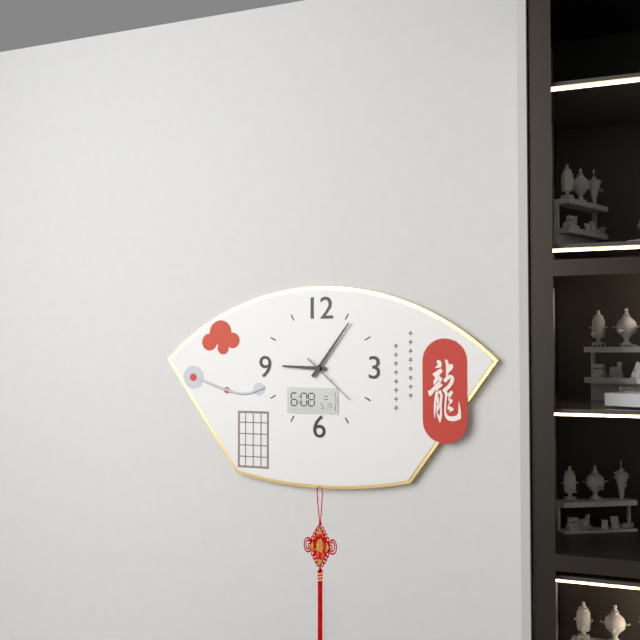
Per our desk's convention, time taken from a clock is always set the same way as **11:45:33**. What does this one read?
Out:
**9:06:22**
